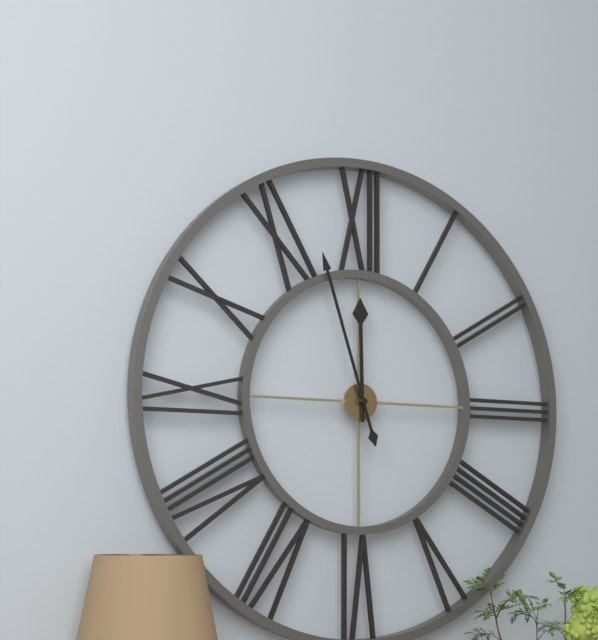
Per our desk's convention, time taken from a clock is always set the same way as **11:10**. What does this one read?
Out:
**11:57**
